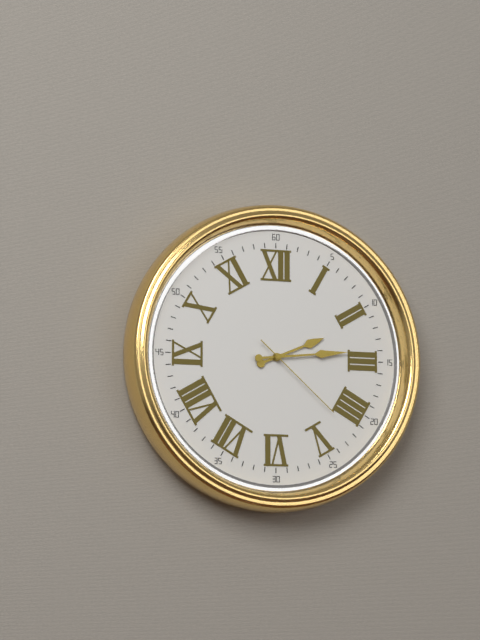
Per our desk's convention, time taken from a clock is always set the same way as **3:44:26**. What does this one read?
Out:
**2:14:22**
